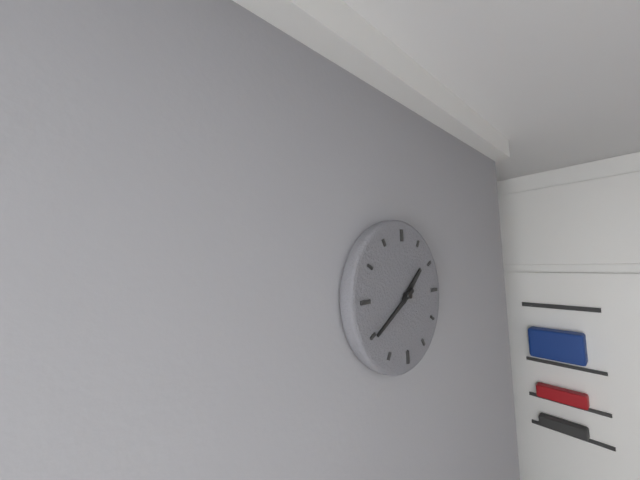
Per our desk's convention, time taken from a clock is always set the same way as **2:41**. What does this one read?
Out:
**1:40**
